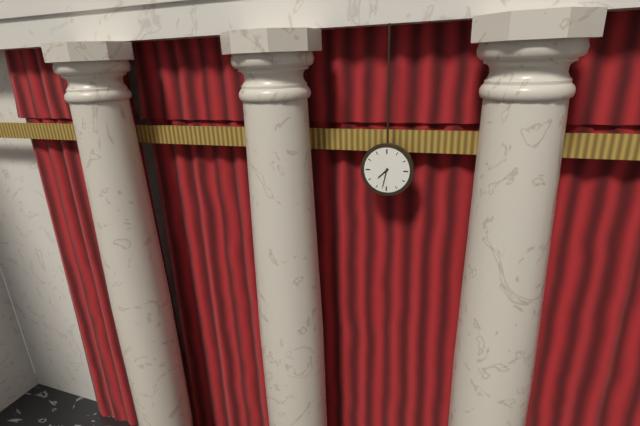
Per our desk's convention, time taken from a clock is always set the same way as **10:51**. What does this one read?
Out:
**7:32**
